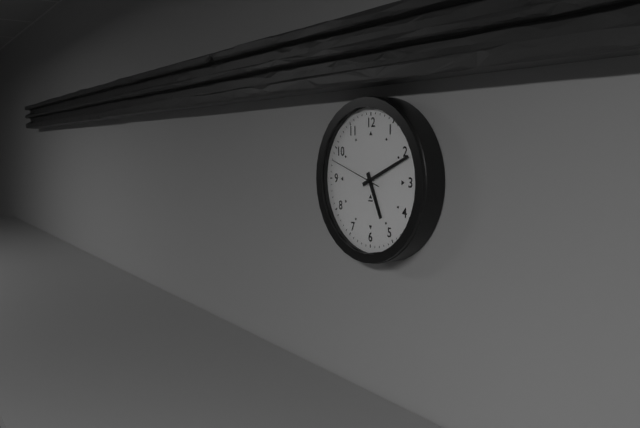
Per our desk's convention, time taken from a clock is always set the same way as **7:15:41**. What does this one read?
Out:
**5:11:48**
